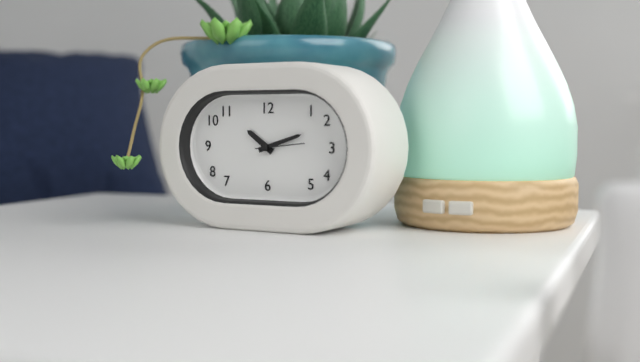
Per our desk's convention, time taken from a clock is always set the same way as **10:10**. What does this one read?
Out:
**10:12**
